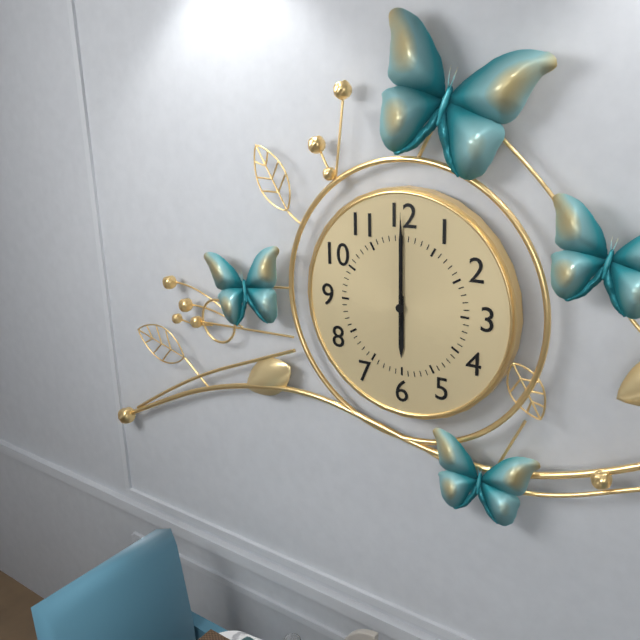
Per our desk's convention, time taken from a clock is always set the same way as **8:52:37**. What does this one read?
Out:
**6:00:00**
